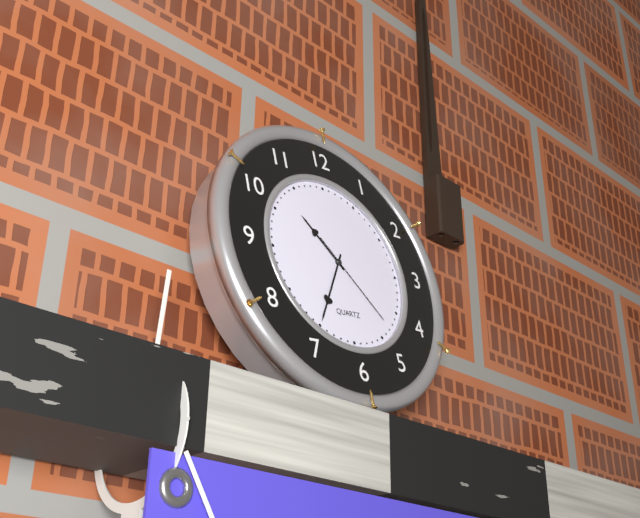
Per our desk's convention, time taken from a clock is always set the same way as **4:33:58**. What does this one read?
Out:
**10:35:23**
